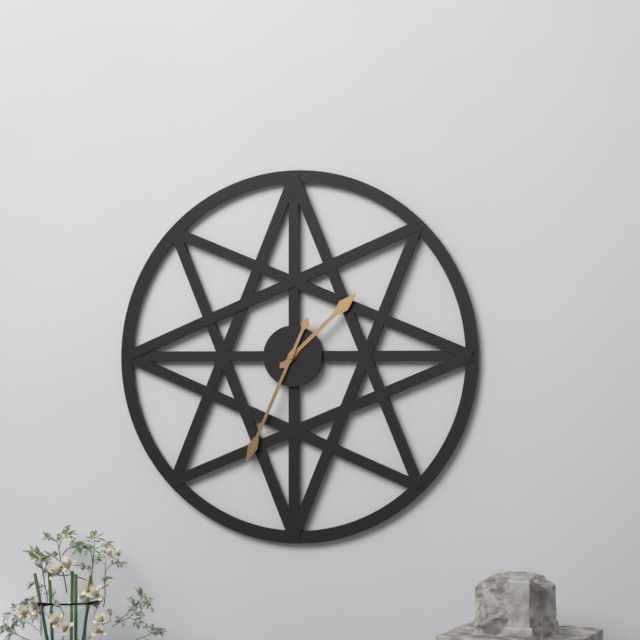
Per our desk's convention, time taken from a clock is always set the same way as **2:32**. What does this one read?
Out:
**1:34**
